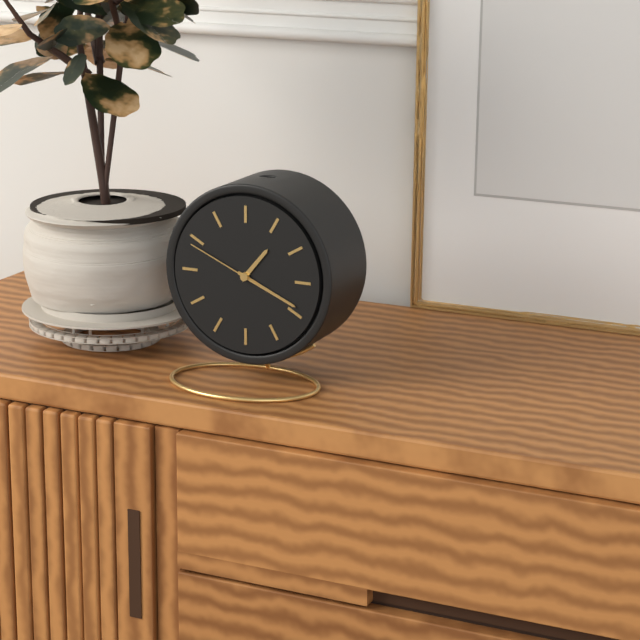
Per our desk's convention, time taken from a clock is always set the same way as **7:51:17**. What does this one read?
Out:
**1:19:49**
